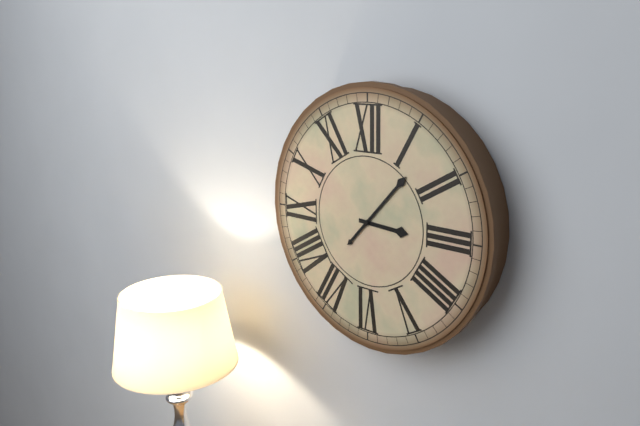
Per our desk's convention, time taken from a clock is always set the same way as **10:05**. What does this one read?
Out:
**3:07**
